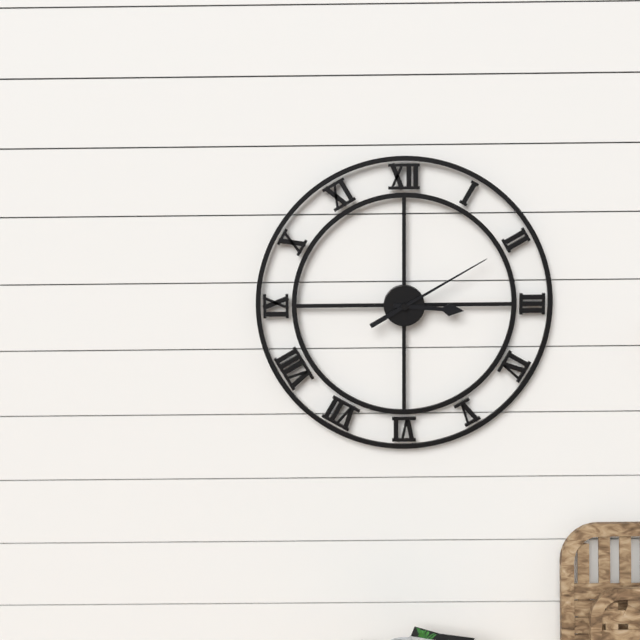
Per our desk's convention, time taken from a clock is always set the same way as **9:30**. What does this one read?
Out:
**3:10**
